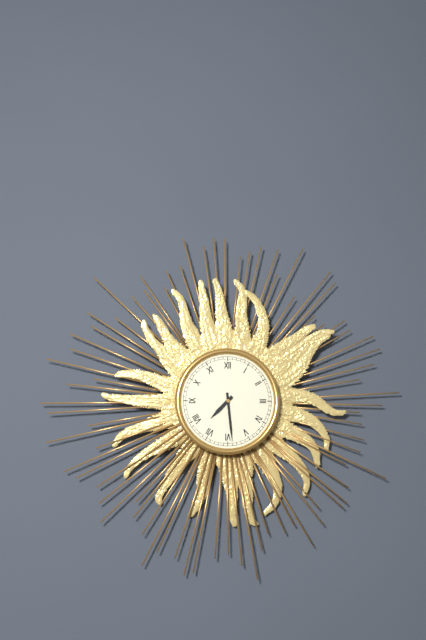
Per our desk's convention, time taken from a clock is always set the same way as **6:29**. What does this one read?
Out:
**7:29**
